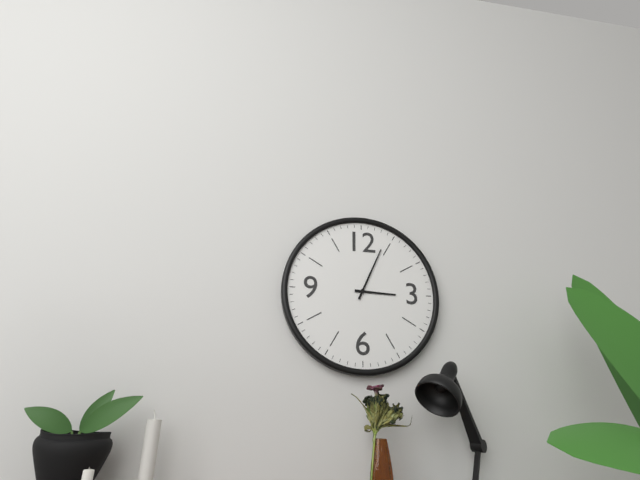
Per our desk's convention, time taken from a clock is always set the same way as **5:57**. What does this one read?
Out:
**3:04**
